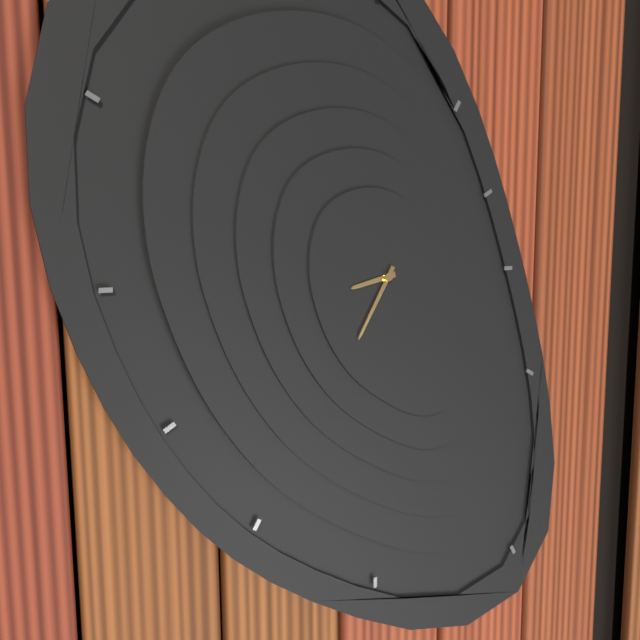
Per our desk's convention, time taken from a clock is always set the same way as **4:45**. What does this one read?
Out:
**8:35**
